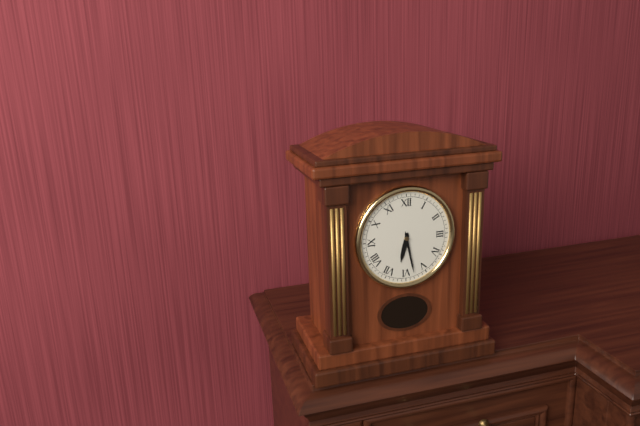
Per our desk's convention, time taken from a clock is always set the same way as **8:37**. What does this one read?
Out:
**6:28**
